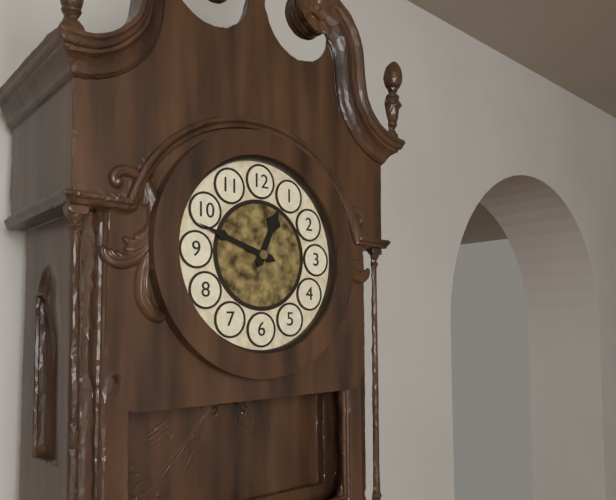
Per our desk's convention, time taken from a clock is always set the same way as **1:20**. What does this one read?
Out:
**12:48**
